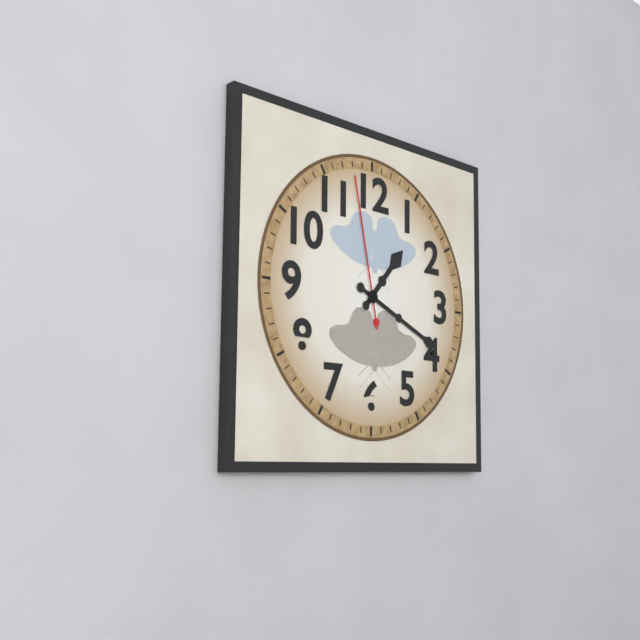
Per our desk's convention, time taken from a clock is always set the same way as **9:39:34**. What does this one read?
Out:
**1:19:58**
